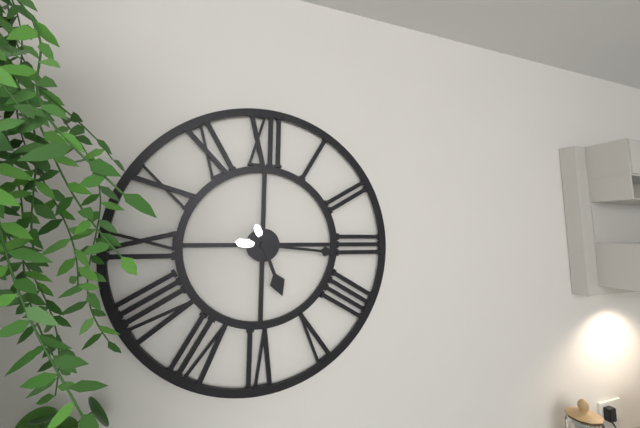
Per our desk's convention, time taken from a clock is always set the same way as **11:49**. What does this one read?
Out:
**5:16**
